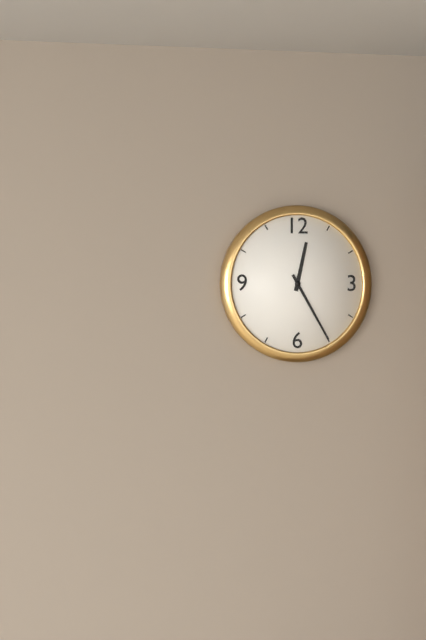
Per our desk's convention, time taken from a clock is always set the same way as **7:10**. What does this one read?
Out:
**12:25**
